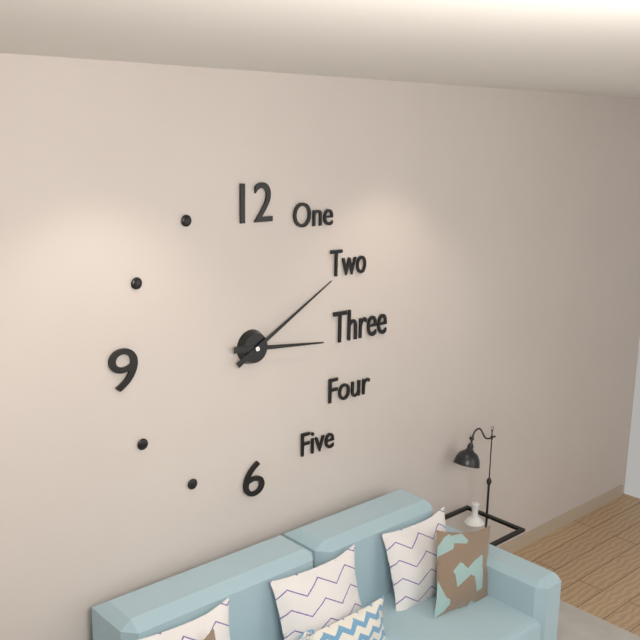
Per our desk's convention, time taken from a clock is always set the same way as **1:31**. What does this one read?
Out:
**3:10**
